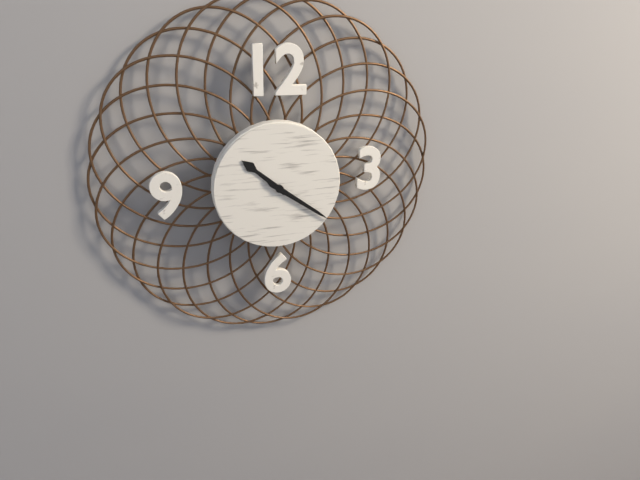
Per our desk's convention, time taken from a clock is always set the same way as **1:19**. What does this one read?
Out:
**10:21**
